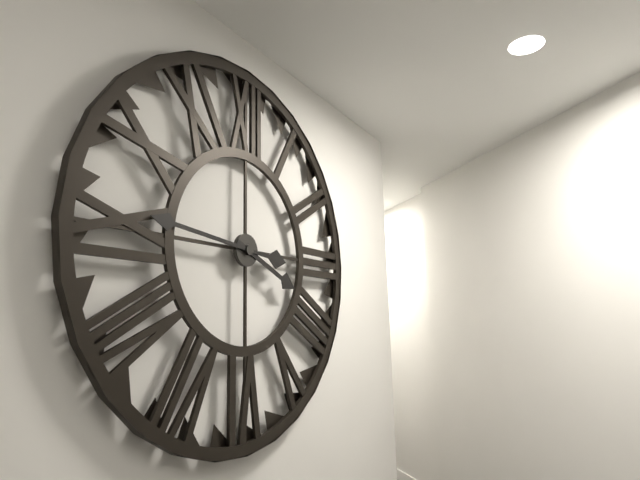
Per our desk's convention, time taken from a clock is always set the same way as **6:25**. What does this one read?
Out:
**3:46**
